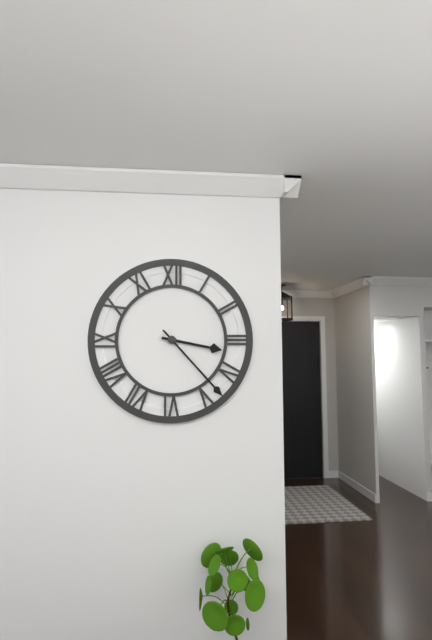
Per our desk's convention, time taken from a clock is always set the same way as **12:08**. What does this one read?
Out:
**3:23**
